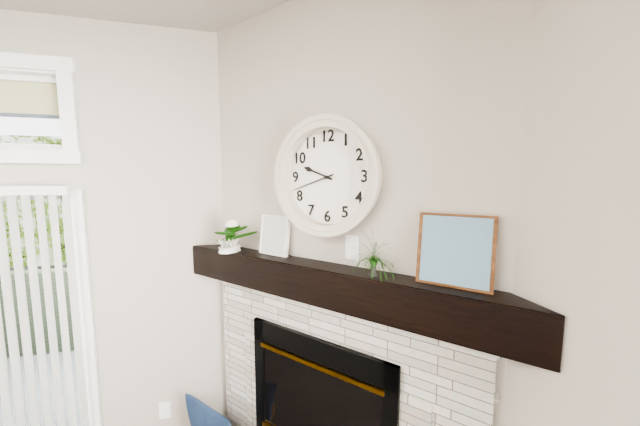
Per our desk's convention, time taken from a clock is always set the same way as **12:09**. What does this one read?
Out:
**9:42**
